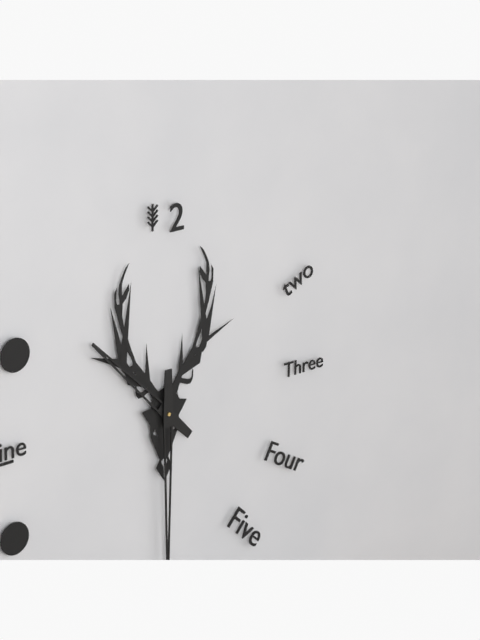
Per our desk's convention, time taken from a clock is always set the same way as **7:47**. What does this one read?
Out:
**10:30**
